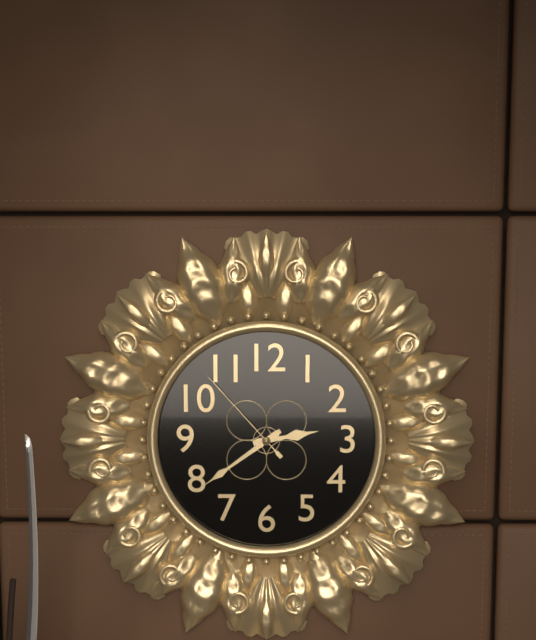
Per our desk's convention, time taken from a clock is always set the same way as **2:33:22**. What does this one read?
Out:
**2:39:53**
